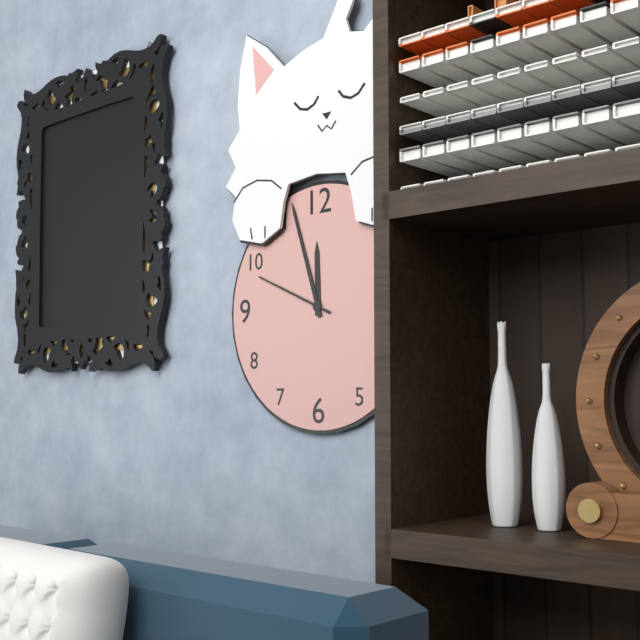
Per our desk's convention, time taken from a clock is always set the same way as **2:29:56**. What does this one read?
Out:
**11:57:49**
